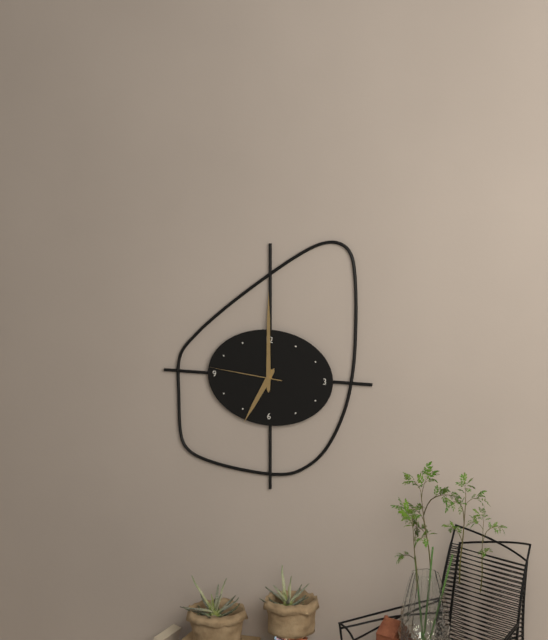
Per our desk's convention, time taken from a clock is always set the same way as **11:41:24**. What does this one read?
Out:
**7:00:46**
